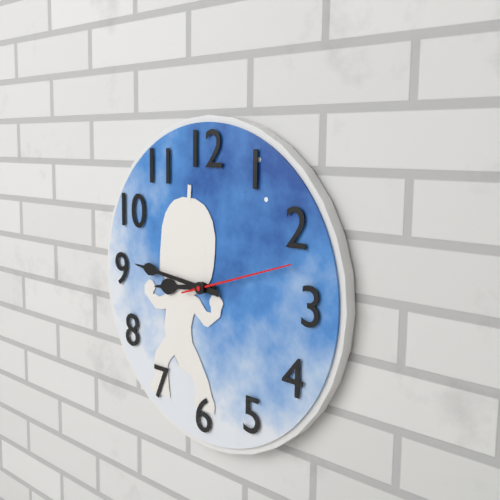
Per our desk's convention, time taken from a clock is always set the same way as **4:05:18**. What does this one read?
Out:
**8:46:12**
